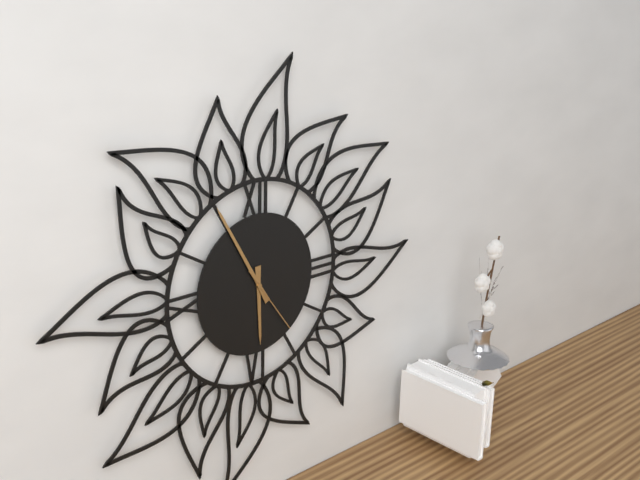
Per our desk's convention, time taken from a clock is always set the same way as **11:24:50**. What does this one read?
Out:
**5:55:24**
